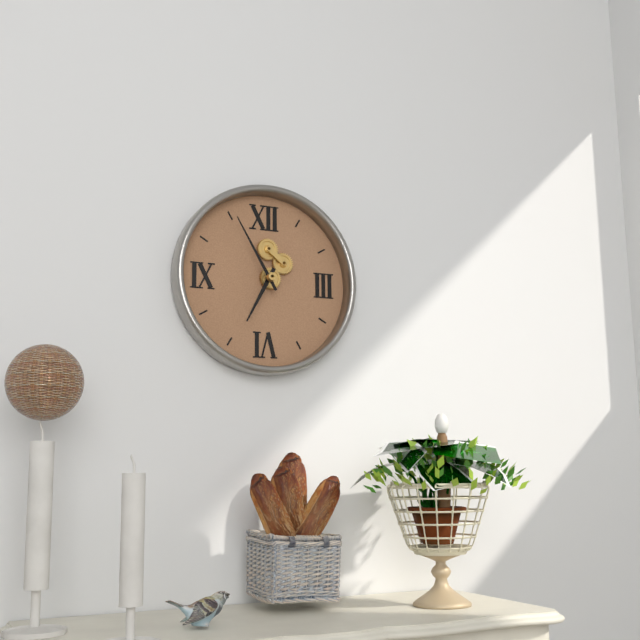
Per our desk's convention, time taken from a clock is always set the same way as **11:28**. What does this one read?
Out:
**6:55**
